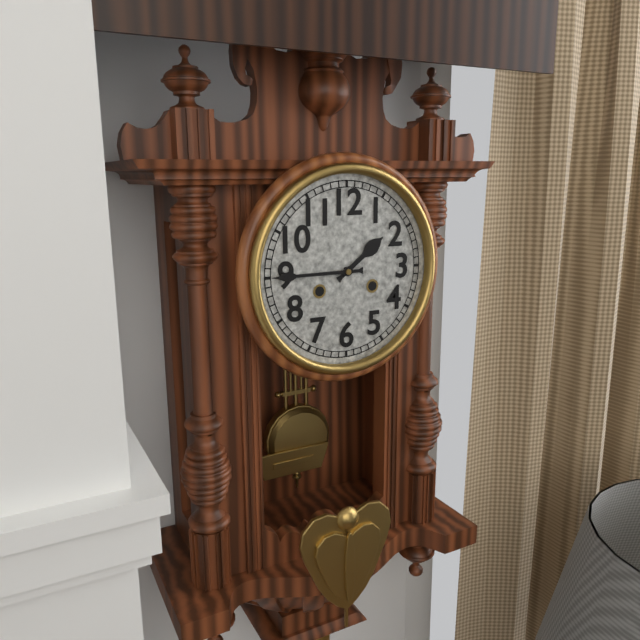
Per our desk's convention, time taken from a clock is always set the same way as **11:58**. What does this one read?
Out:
**1:45**
